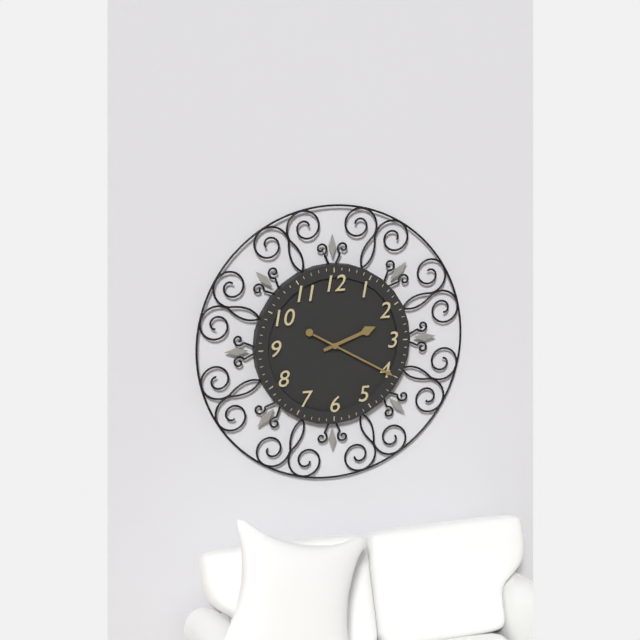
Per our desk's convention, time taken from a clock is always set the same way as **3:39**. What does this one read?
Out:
**2:20**
